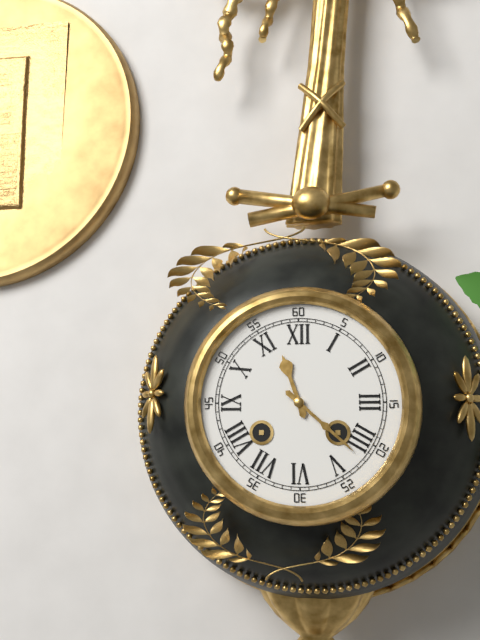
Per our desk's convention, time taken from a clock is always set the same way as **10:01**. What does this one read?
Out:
**11:22**
